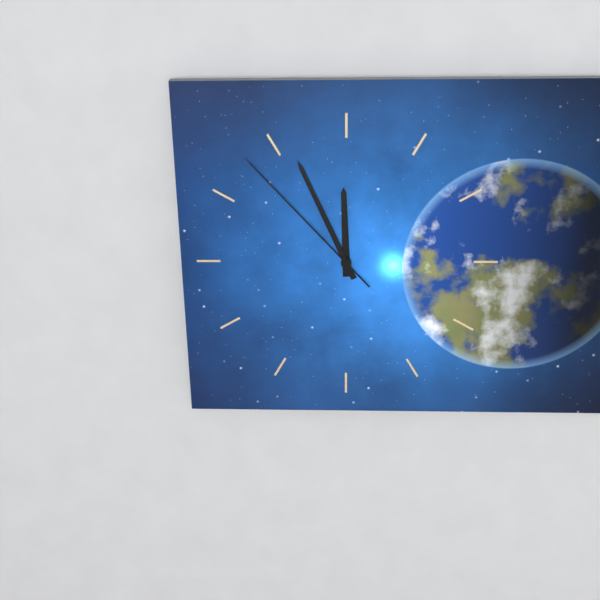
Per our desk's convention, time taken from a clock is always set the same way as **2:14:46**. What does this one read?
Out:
**11:56:53**
